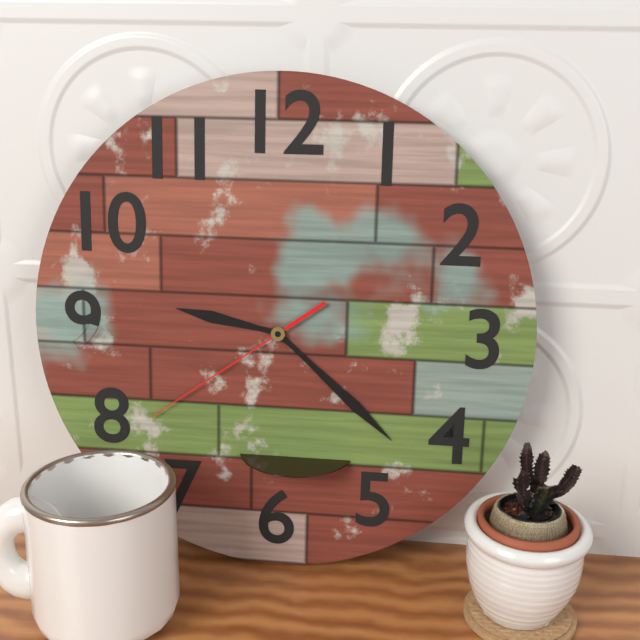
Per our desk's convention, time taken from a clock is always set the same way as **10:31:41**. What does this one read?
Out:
**9:22:39**
